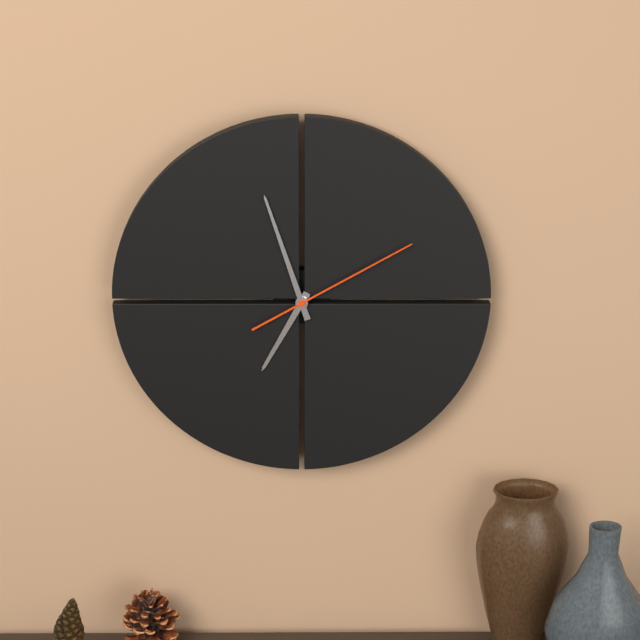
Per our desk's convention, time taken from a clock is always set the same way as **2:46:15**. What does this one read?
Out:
**6:57:10**
